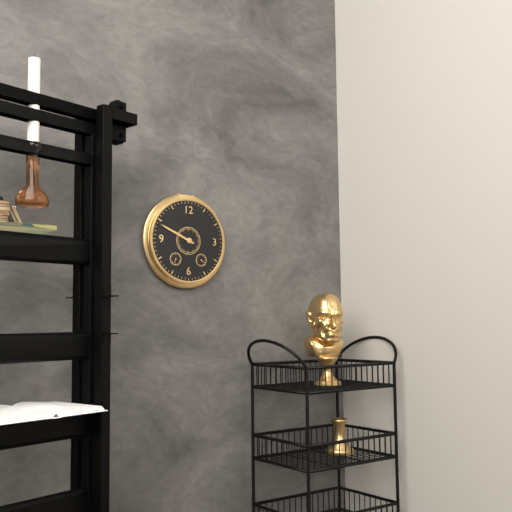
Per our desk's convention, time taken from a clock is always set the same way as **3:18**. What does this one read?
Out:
**9:49**
